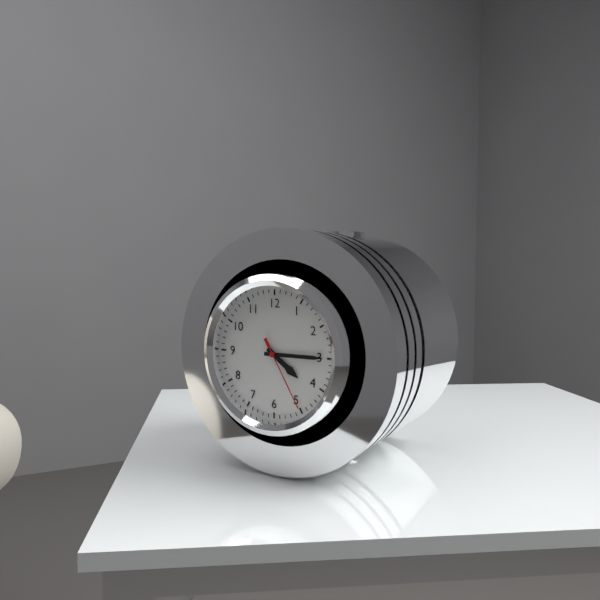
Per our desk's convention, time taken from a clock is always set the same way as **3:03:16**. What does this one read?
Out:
**4:15:25**
